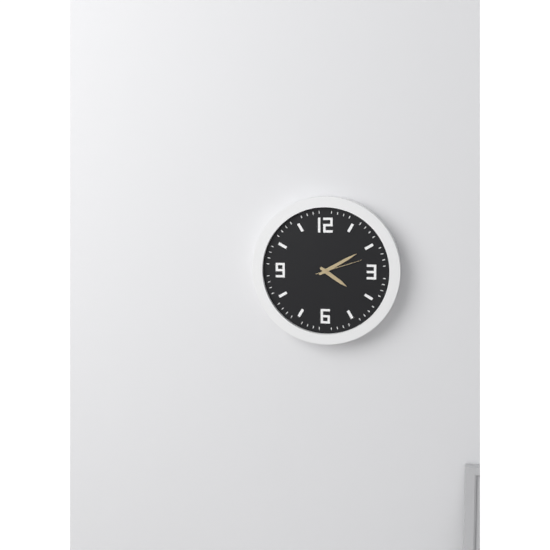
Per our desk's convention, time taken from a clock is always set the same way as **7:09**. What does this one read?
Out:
**4:10**
